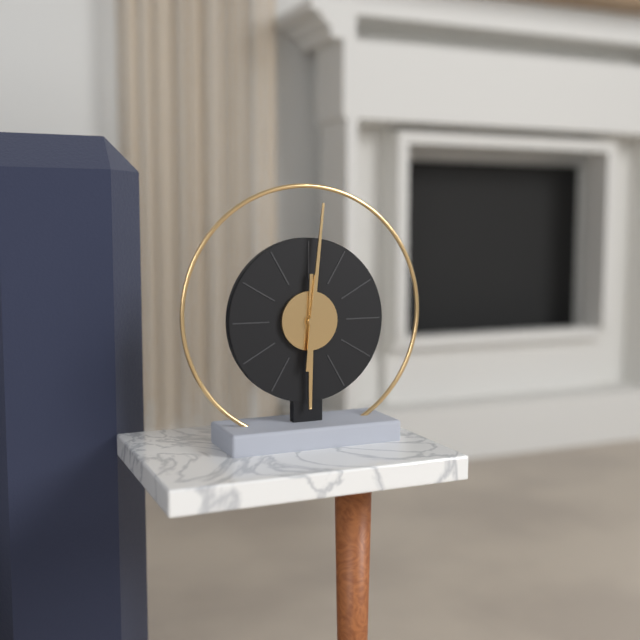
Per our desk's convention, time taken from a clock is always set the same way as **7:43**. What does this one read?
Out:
**6:01**
